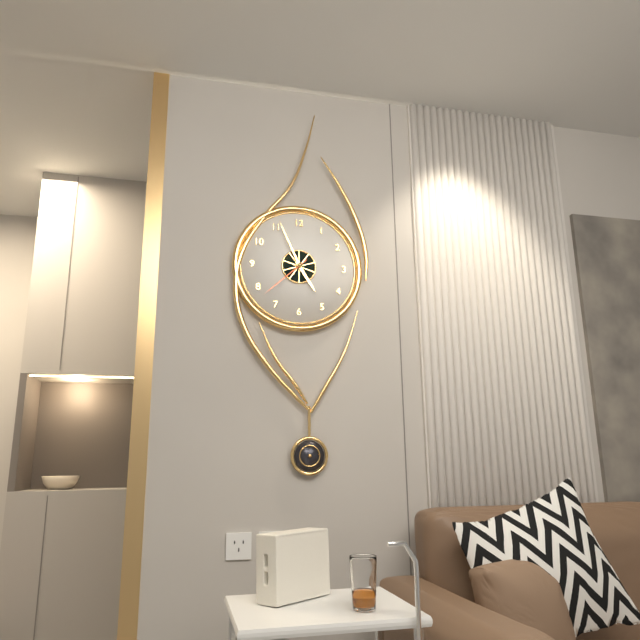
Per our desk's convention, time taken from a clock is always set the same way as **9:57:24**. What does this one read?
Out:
**4:56:38**
